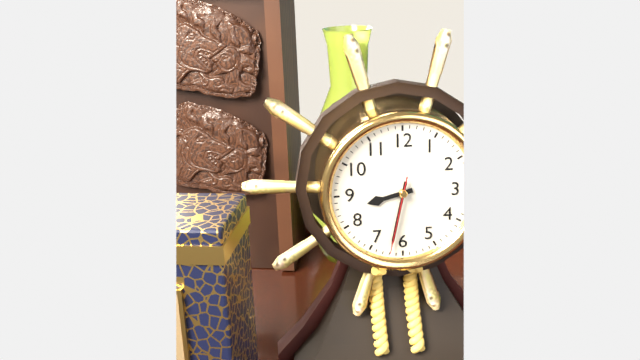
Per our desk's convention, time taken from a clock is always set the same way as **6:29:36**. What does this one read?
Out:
**8:32:32**
